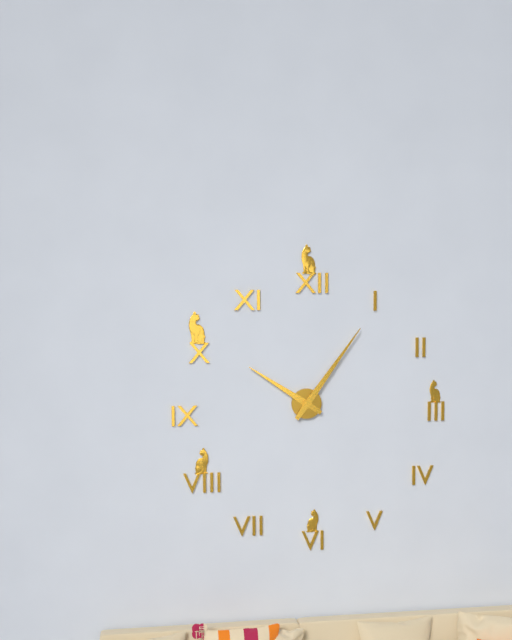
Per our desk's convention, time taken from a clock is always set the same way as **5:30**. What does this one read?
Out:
**10:06**
